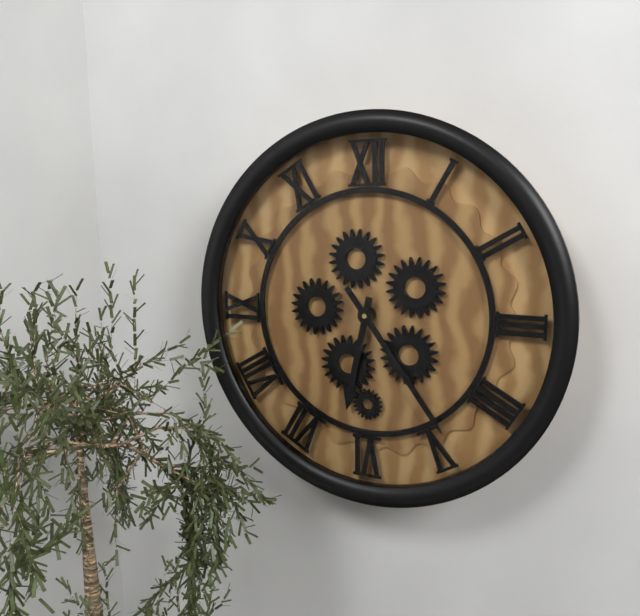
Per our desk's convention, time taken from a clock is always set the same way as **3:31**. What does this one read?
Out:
**6:24**
